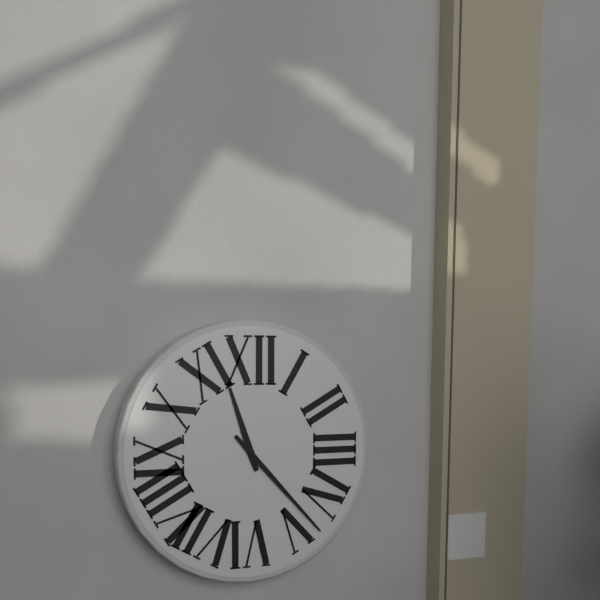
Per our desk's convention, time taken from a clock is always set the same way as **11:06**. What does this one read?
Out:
**11:23**
